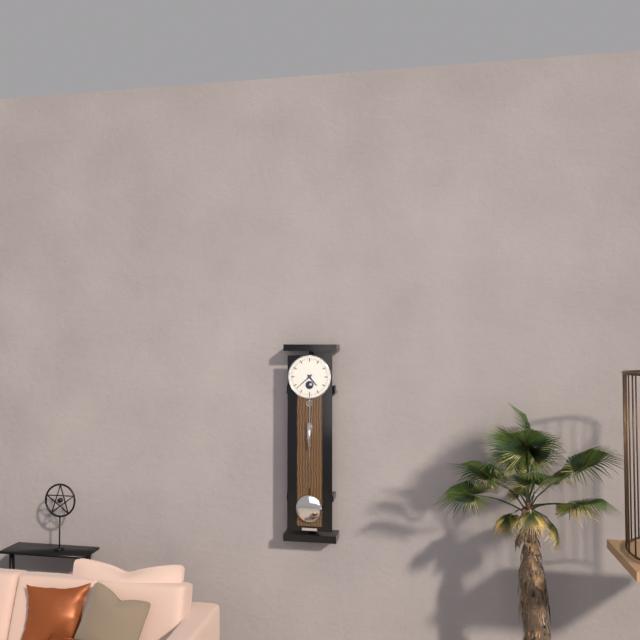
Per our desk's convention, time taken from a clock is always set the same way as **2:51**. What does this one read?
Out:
**4:38**
